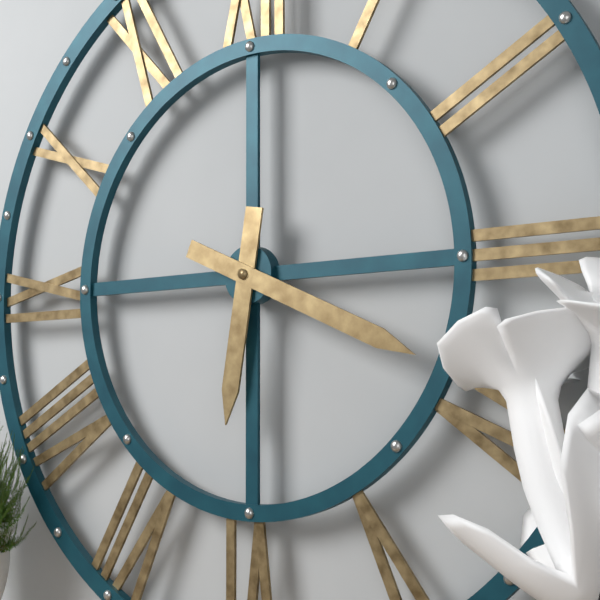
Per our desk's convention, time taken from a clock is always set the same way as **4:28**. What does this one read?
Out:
**6:19**
